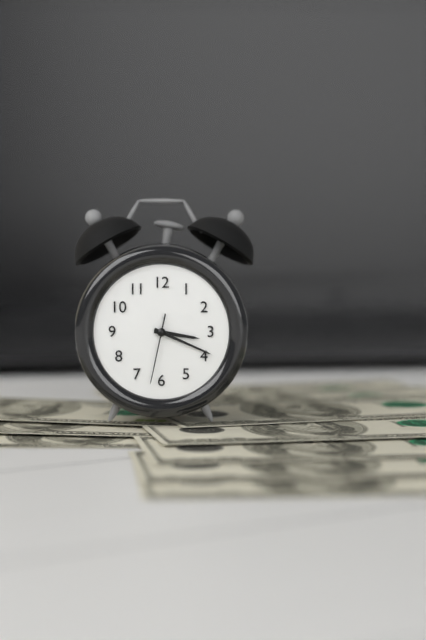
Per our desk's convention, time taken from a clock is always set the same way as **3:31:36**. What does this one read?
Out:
**3:19:32**
